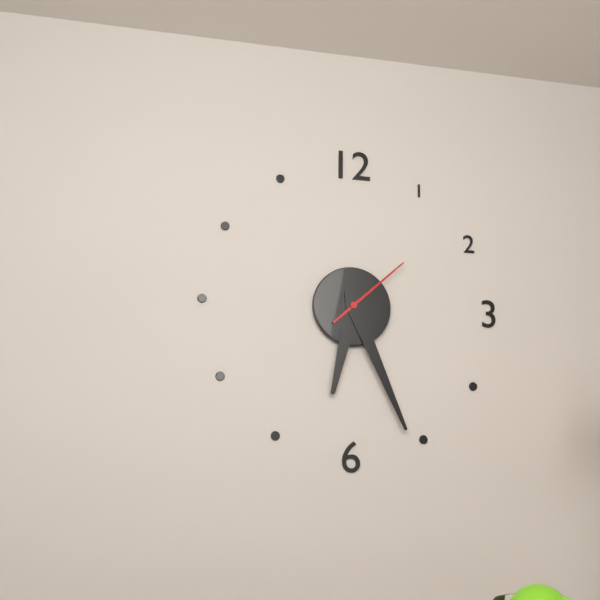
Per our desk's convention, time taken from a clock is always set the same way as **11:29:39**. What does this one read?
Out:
**6:26:08**
